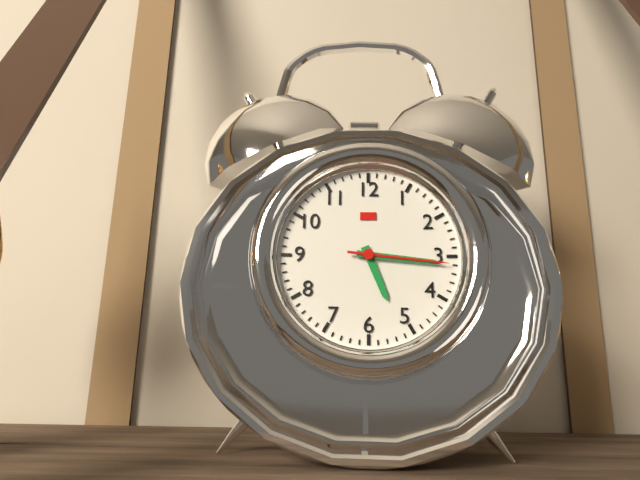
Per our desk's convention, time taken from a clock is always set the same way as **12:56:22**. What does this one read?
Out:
**5:16:16**
